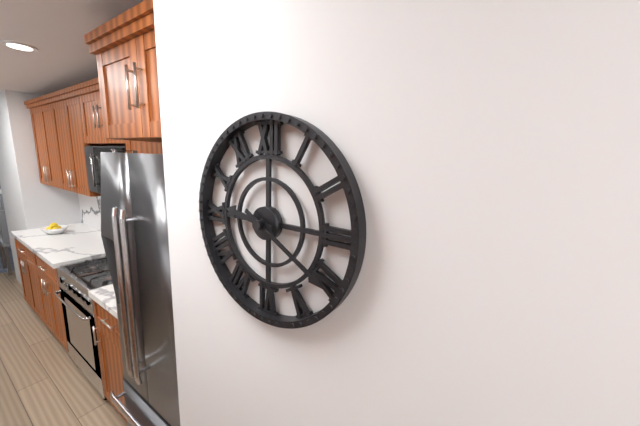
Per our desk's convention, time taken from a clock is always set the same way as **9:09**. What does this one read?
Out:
**9:20**
